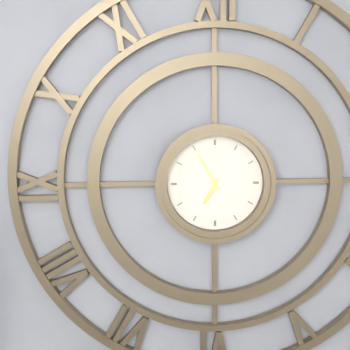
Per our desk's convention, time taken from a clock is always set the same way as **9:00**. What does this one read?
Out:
**6:55**
